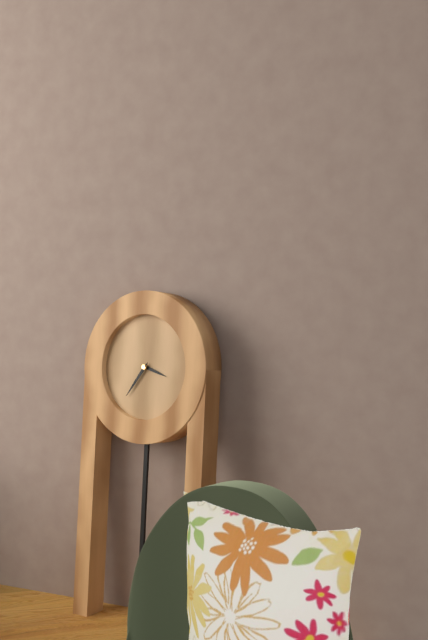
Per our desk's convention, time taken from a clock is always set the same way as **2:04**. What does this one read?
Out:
**3:36**
